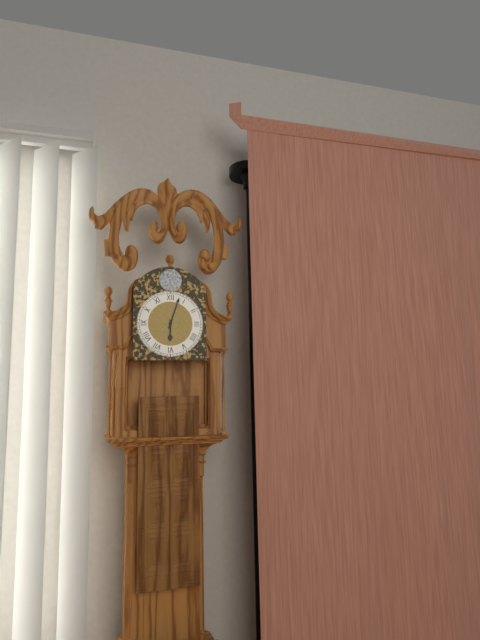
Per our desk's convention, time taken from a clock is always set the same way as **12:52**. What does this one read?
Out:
**6:03**
